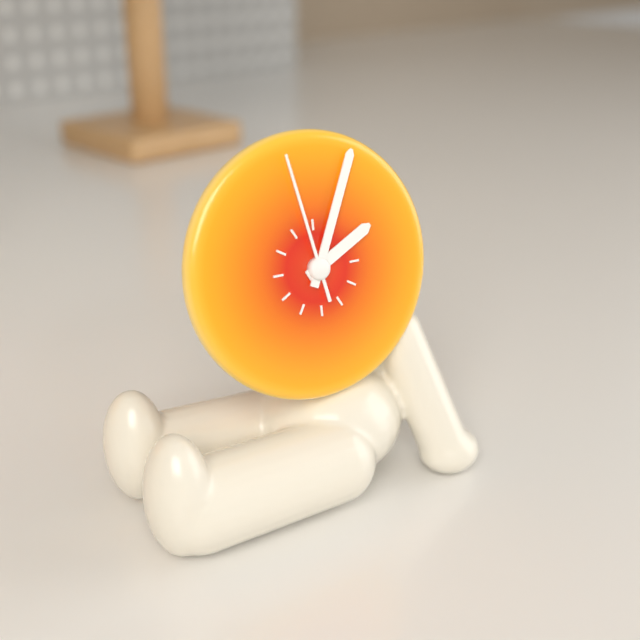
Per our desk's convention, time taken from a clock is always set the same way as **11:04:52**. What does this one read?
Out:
**2:04:58**
